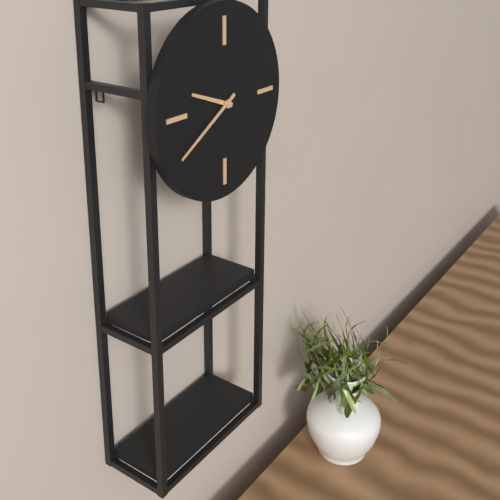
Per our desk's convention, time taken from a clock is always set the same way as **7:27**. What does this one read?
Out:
**9:40**
